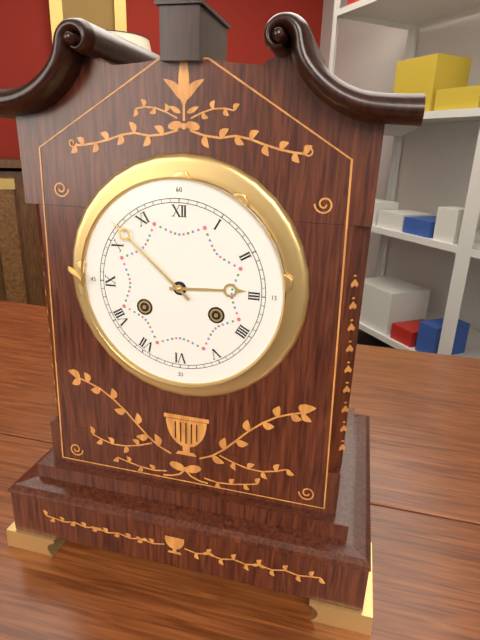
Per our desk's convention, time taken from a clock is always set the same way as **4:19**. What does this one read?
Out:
**2:52**
